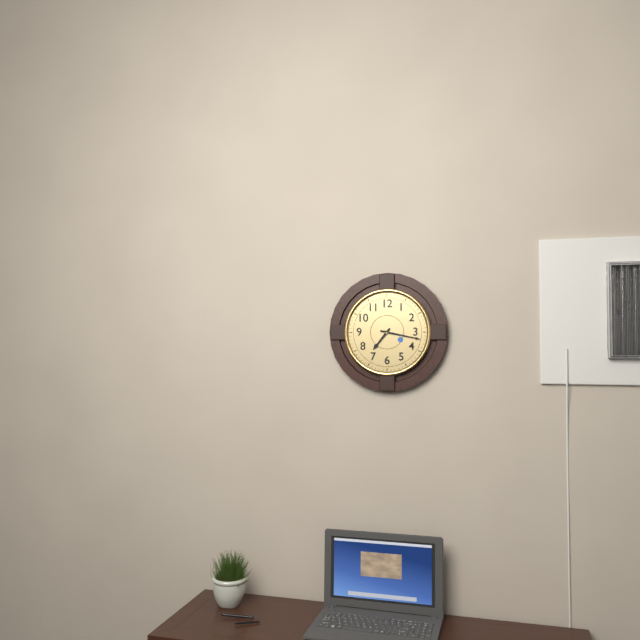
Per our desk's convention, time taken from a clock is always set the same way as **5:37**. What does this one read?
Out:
**7:17**
